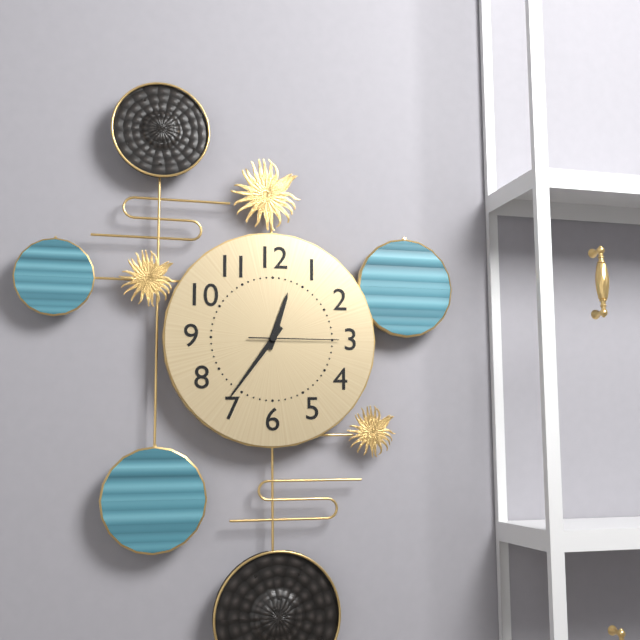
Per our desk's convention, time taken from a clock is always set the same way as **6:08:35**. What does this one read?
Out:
**12:36:15**
